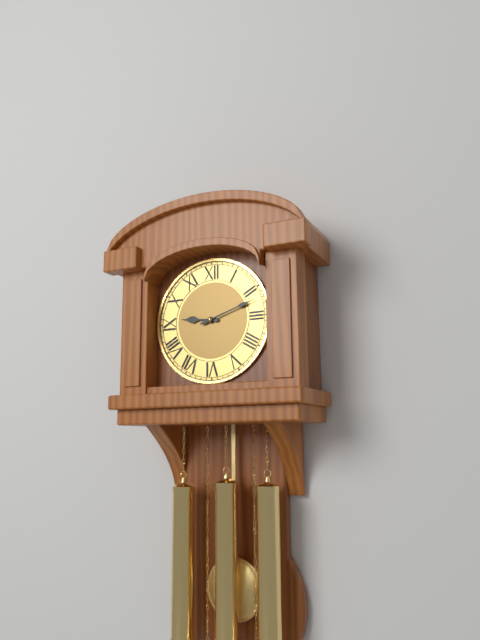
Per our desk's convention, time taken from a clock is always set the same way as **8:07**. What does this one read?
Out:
**9:12**
